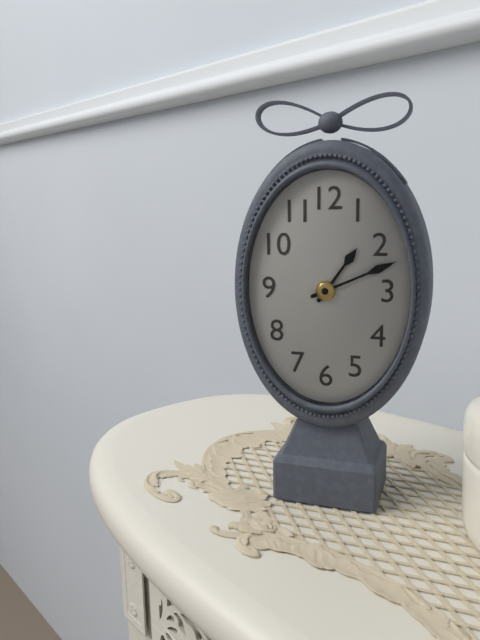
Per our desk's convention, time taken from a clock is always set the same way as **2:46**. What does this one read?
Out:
**1:11**
